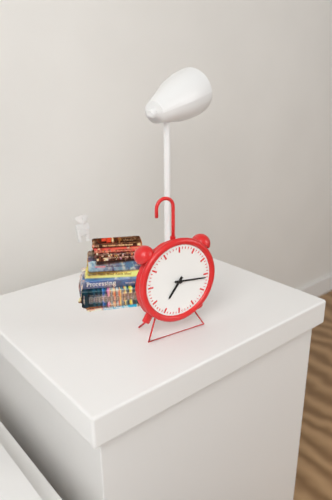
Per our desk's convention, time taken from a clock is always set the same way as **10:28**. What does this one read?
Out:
**7:16**
